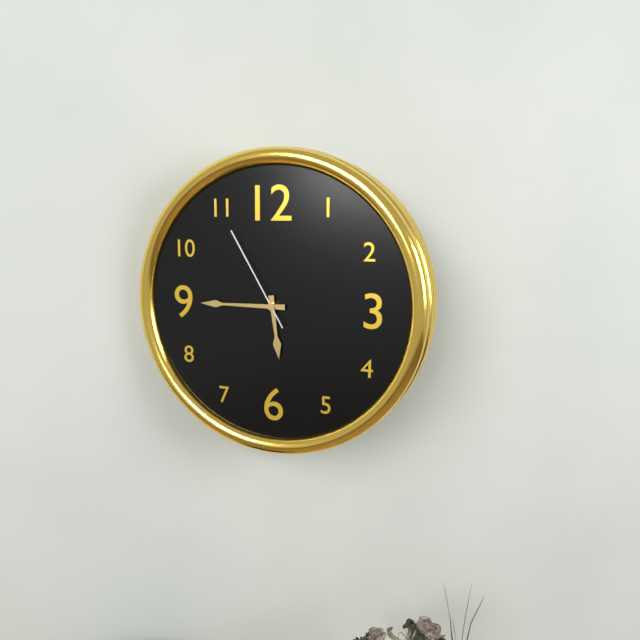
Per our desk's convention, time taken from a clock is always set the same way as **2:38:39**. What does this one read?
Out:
**5:45:55**
